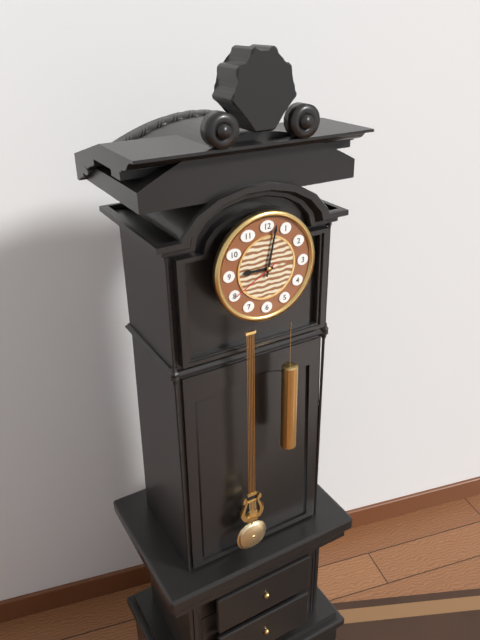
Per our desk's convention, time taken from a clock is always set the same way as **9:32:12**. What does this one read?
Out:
**9:02:40**
